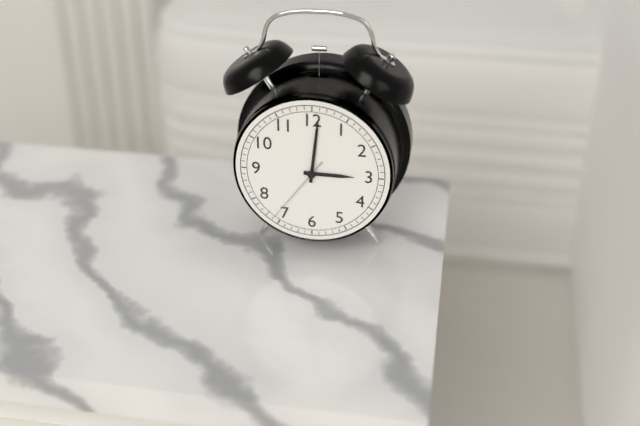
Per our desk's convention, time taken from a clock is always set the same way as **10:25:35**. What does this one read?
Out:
**3:01:36**
